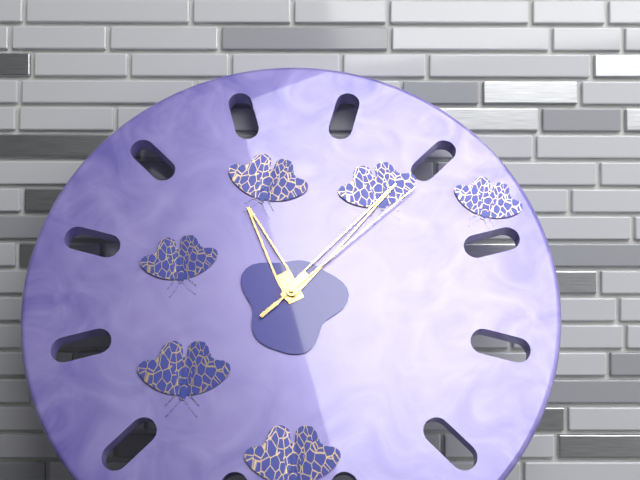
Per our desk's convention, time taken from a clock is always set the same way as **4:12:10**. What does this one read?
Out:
**11:07:08**
